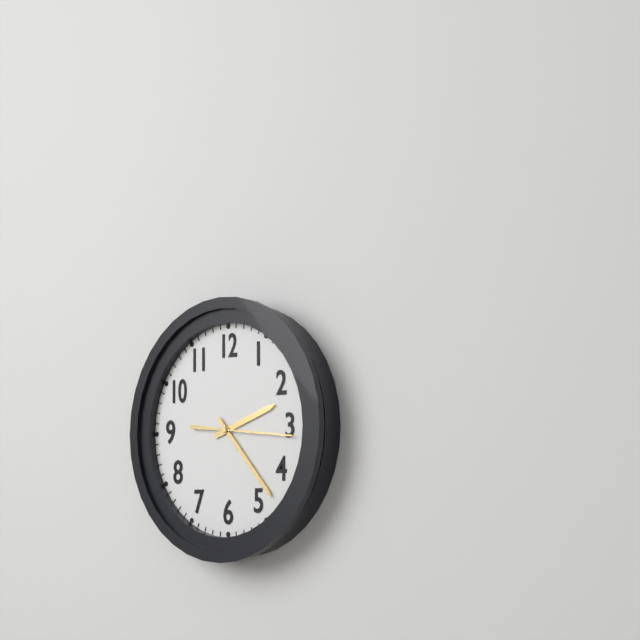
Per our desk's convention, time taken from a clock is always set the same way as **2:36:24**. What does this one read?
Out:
**2:23:16**
